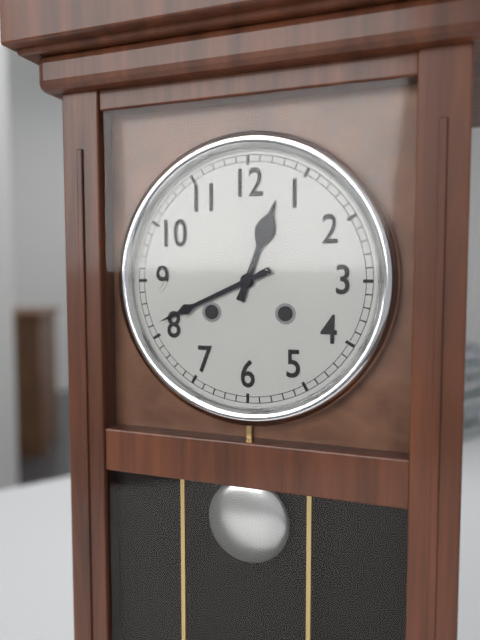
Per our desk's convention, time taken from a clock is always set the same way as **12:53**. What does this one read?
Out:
**12:41**
